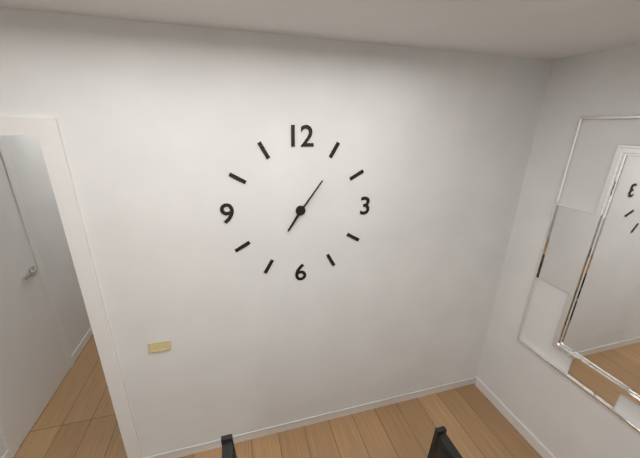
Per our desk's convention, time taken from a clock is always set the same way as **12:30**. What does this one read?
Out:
**7:06**
